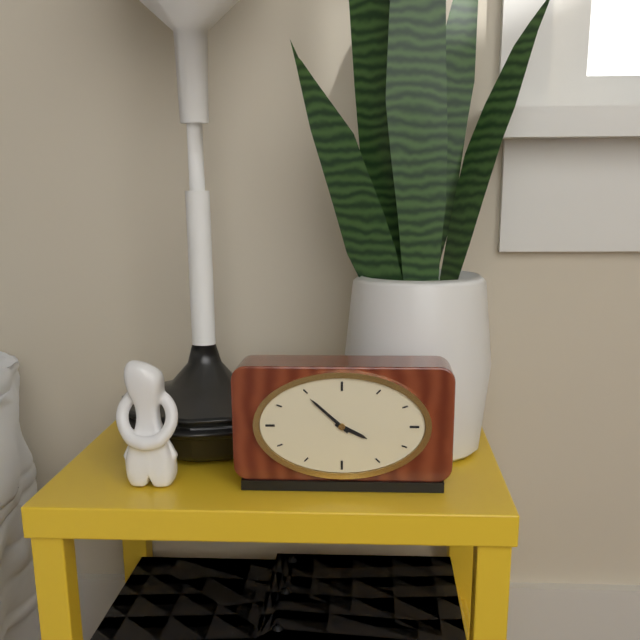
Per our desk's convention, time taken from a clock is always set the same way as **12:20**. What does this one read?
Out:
**3:52**
